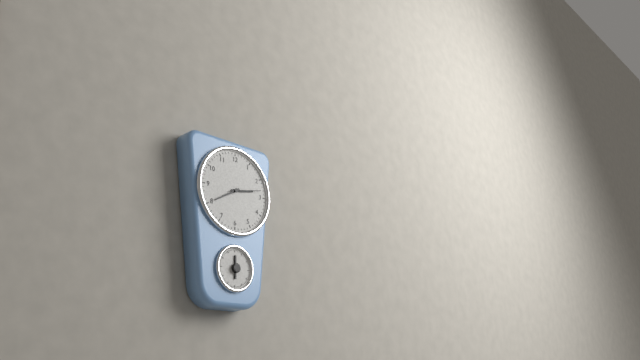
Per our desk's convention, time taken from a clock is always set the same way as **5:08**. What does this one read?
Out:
**2:40**
